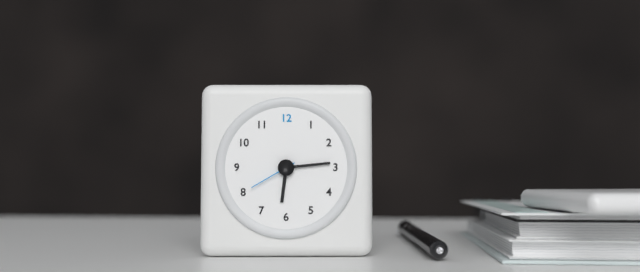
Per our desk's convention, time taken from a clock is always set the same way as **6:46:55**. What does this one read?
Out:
**6:14:40**
